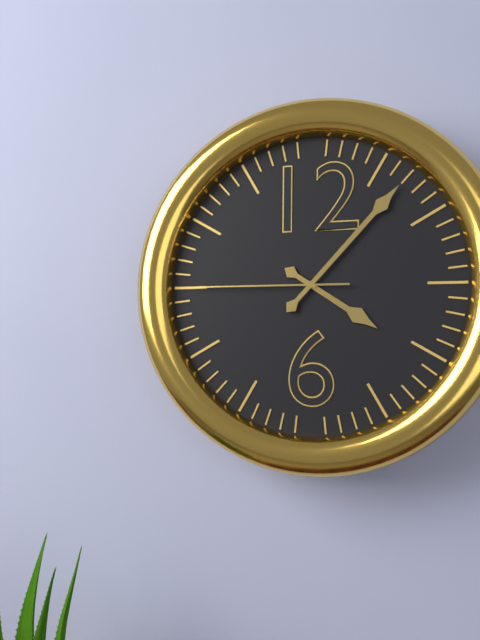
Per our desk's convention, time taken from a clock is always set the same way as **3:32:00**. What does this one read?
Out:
**4:07:45**
